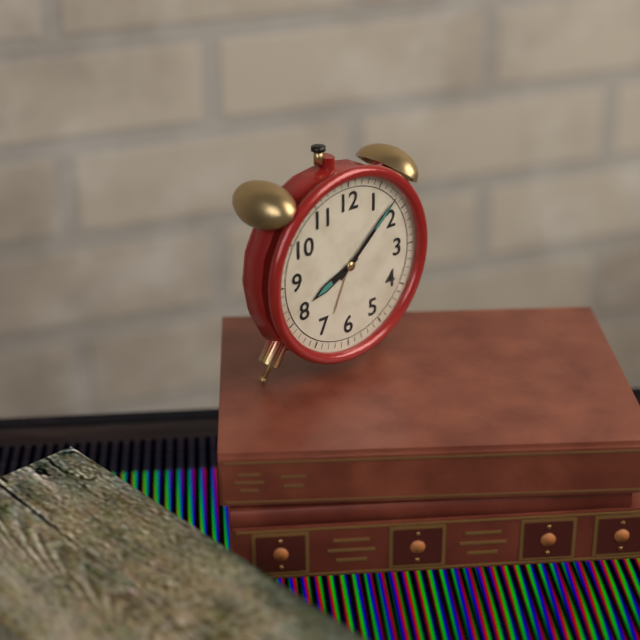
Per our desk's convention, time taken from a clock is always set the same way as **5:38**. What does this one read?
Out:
**8:08**
